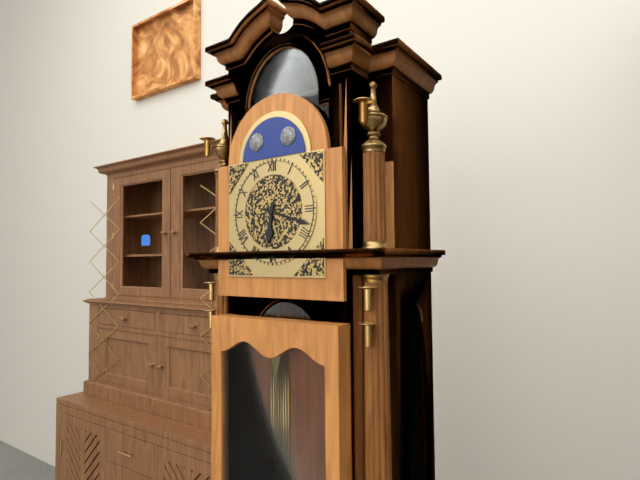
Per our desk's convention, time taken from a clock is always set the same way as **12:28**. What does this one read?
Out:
**6:18**
